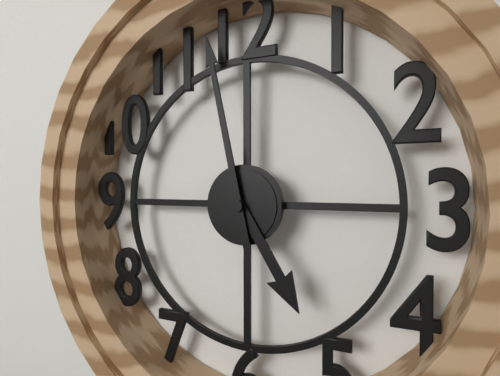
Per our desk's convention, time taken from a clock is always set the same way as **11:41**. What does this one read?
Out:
**4:58**
